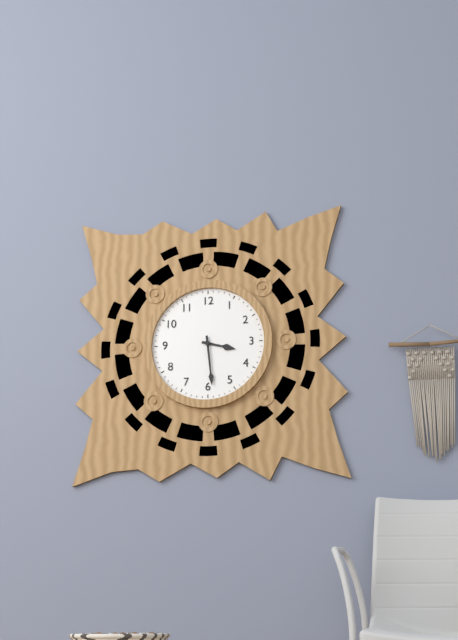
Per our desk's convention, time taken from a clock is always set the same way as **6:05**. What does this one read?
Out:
**3:29**
